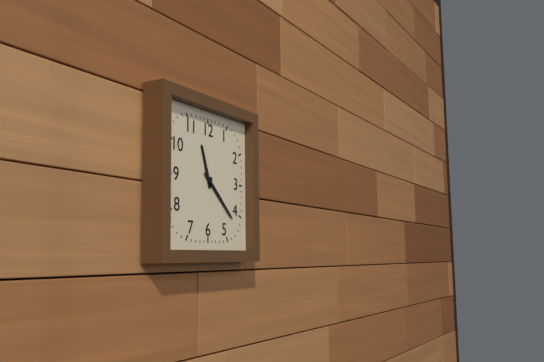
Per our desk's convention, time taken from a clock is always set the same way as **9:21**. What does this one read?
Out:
**11:22**
